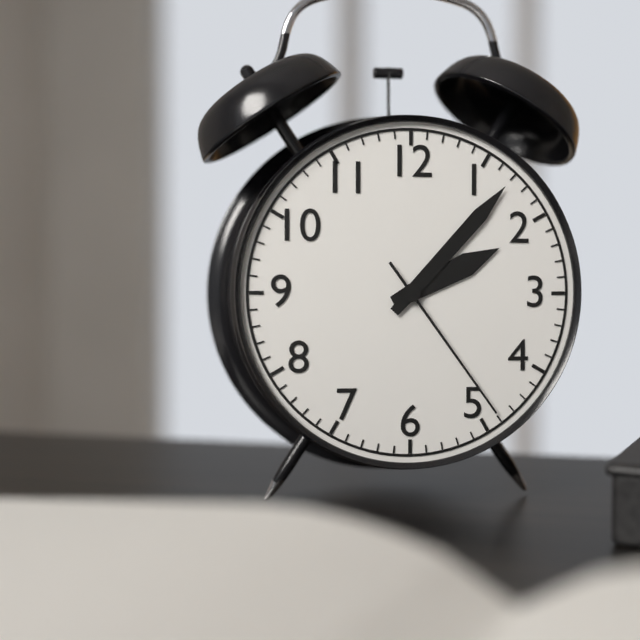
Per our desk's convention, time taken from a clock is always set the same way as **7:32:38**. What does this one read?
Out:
**2:07:24**
